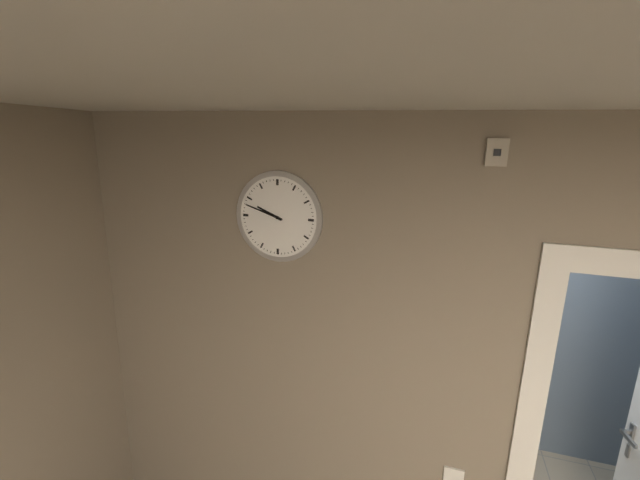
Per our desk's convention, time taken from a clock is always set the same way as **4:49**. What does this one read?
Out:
**9:48**
